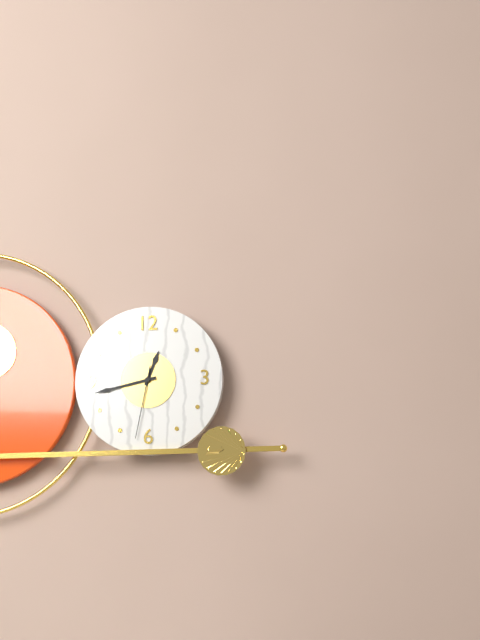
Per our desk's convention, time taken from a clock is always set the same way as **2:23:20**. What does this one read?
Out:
**12:43:32**
